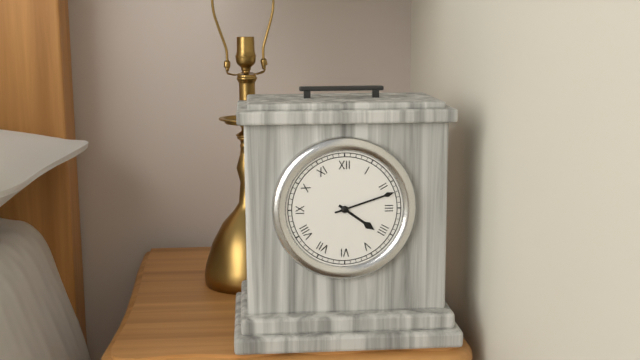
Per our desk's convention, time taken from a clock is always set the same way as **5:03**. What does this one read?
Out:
**4:12**
